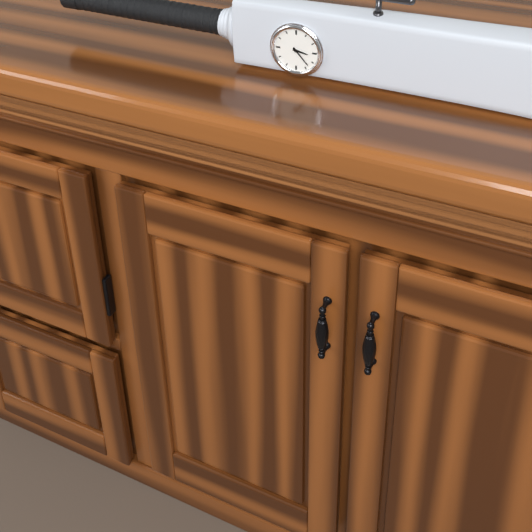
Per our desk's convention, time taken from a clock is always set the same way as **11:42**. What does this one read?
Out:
**3:23**
